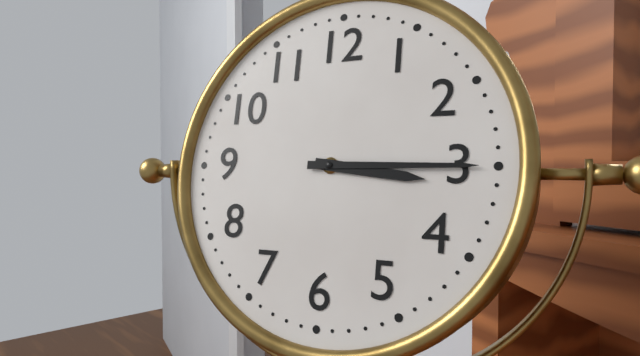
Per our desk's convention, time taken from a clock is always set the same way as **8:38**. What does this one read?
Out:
**3:15**
